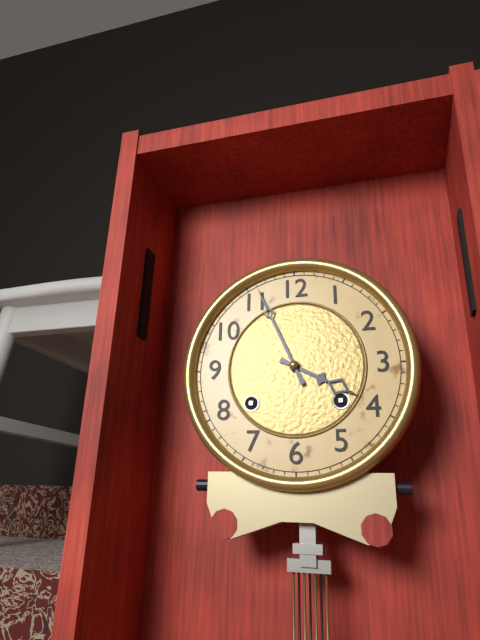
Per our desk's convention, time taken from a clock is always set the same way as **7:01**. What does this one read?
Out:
**3:56**
